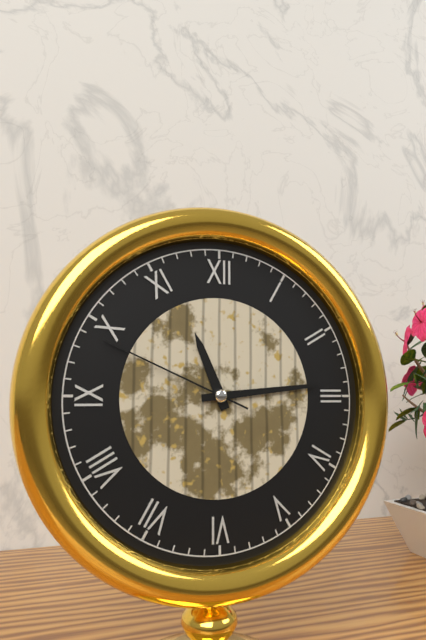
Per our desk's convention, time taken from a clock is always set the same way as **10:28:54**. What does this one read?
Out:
**11:14:49**
